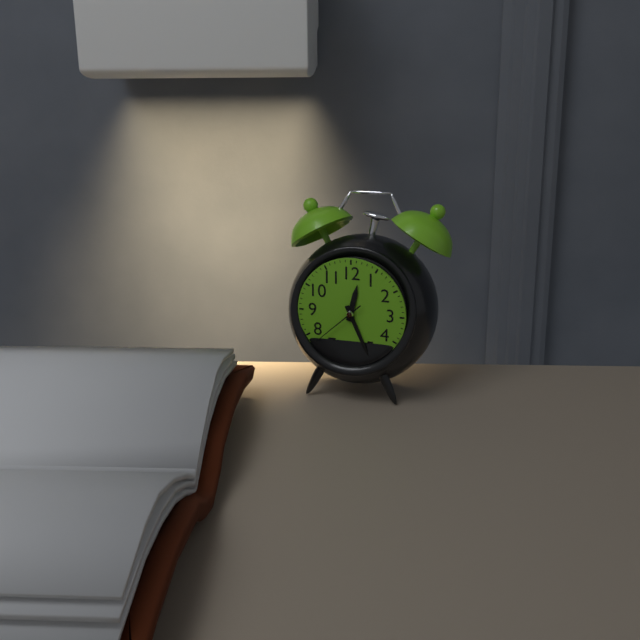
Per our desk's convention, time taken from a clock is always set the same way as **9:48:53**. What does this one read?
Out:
**12:26:38**
